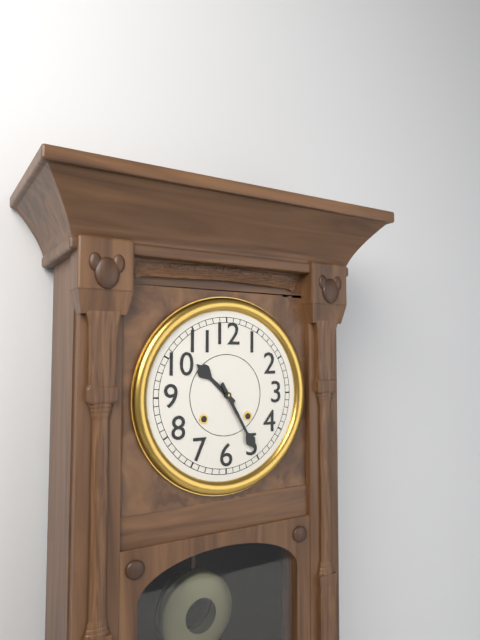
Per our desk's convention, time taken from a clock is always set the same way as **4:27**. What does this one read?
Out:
**10:25**
